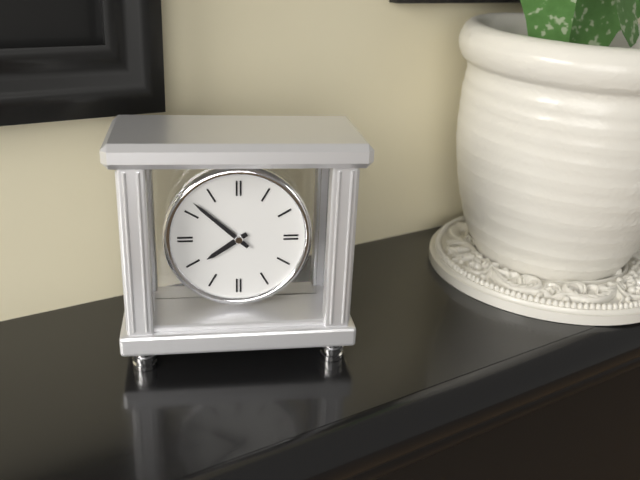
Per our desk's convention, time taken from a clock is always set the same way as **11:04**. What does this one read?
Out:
**7:52**
